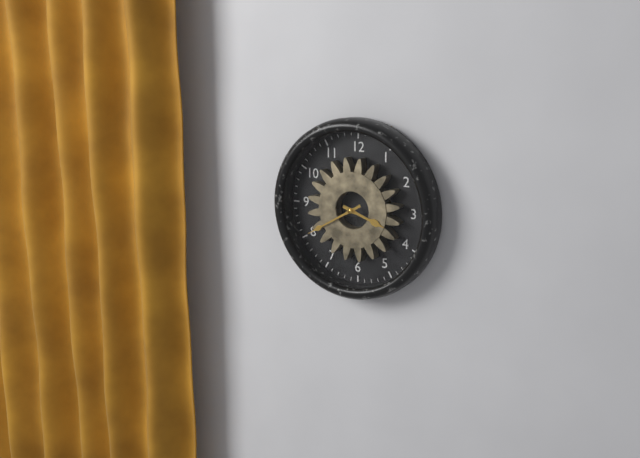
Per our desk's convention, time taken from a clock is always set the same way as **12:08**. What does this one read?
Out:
**3:40**
